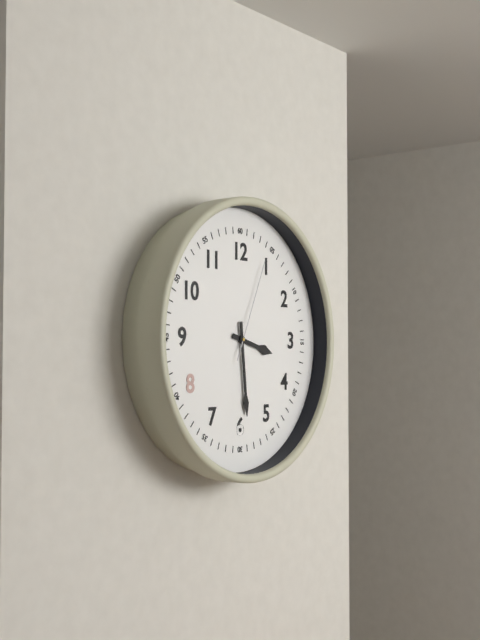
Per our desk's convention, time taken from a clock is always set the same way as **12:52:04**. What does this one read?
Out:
**3:29:04**
